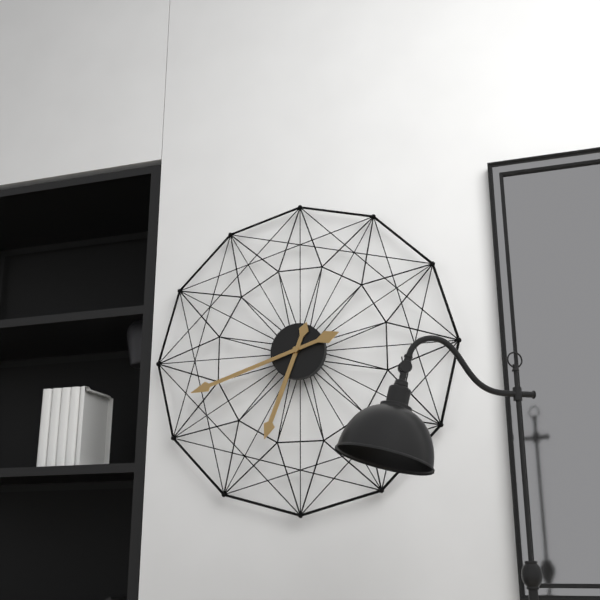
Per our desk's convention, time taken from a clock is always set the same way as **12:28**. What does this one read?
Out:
**6:42**
